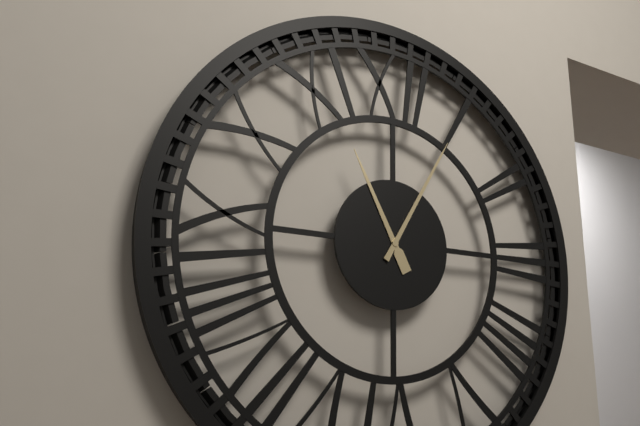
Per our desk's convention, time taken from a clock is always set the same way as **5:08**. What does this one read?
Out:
**11:05**
